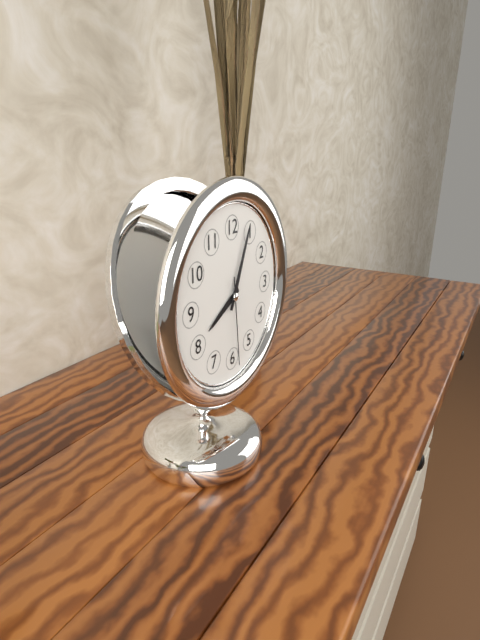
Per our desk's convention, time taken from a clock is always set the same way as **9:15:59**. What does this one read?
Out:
**8:04:29**
